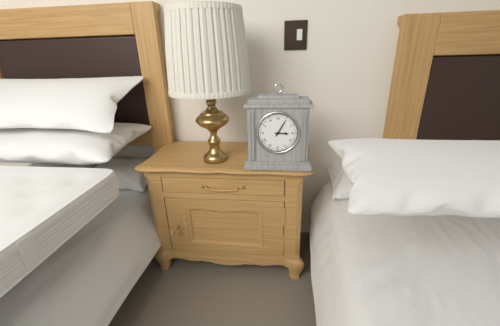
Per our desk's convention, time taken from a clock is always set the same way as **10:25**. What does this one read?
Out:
**3:05**
